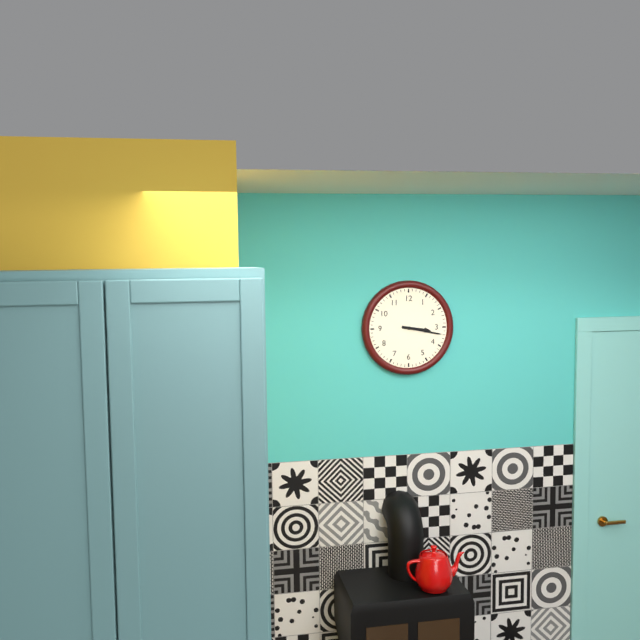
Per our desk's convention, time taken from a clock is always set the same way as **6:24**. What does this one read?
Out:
**3:17**
